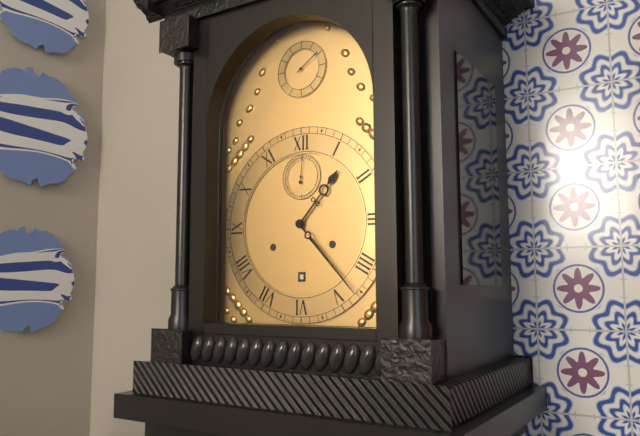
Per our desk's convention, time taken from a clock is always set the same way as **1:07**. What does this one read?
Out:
**1:23**
